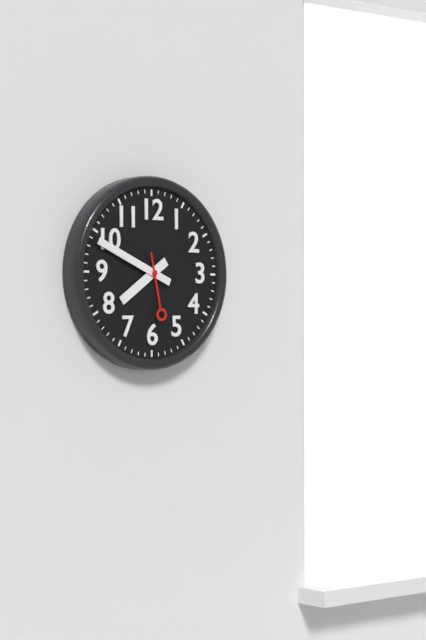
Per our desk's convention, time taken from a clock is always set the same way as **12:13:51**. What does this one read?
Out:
**7:49:28**
